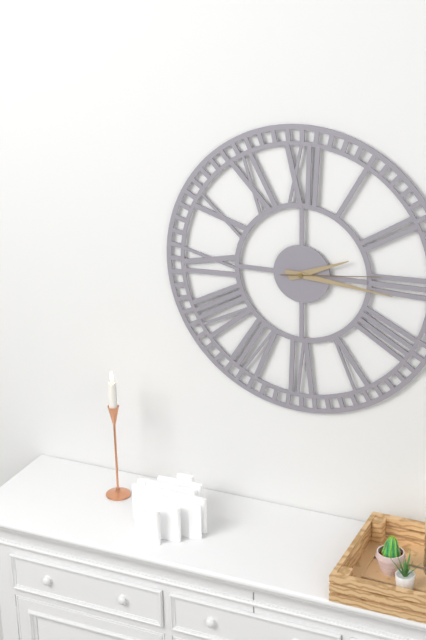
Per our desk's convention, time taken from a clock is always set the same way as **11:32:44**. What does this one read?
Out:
**2:16:14**
